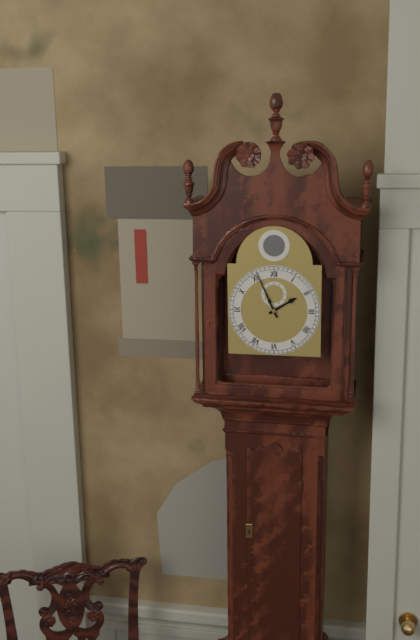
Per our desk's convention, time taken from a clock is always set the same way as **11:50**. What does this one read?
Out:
**1:56**
